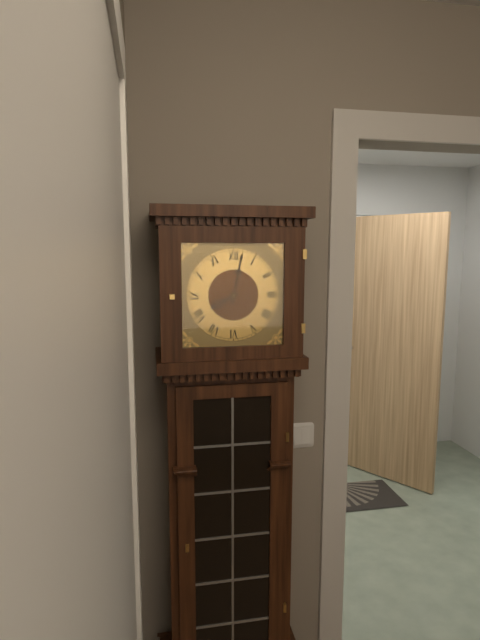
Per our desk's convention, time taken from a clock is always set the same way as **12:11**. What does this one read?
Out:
**8:02**
